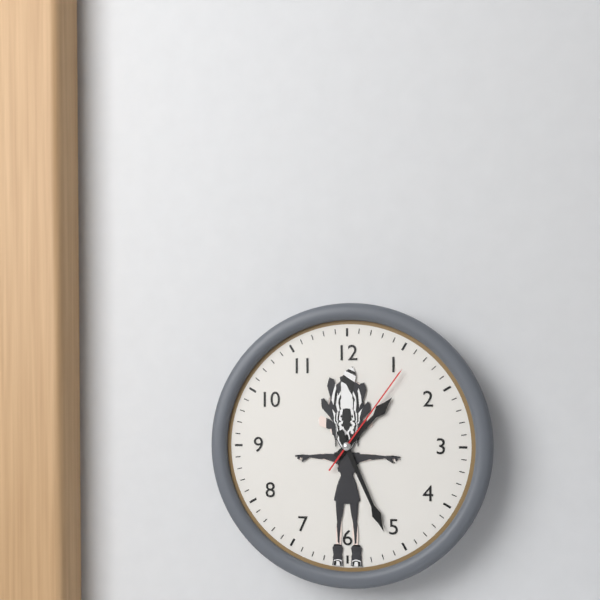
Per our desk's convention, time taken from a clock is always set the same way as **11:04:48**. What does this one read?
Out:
**1:26:06**
